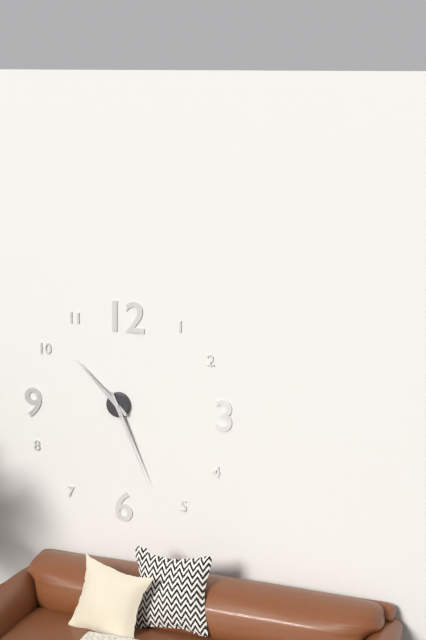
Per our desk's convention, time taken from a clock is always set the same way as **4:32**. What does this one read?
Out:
**10:26**
